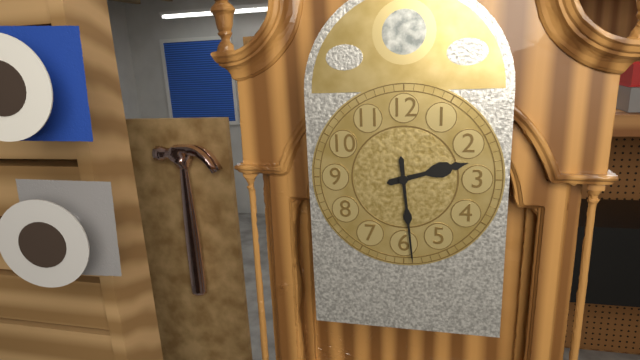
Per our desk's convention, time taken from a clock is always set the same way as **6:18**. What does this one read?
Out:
**2:29**
